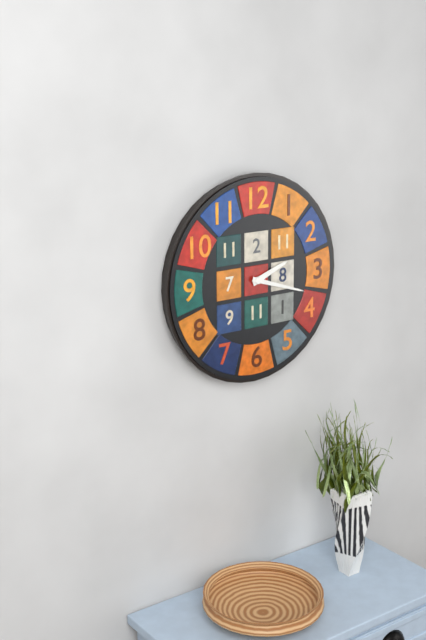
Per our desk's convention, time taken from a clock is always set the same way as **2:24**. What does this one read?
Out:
**2:18**
